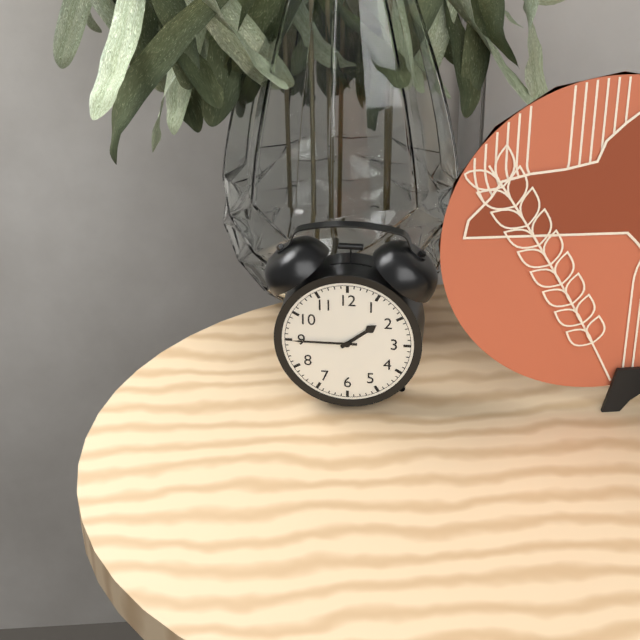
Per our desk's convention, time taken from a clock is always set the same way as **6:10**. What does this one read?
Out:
**1:45**
